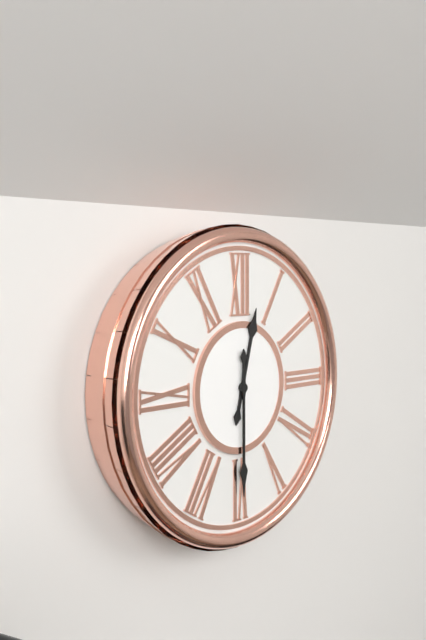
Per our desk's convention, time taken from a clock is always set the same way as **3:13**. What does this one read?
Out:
**12:30**
